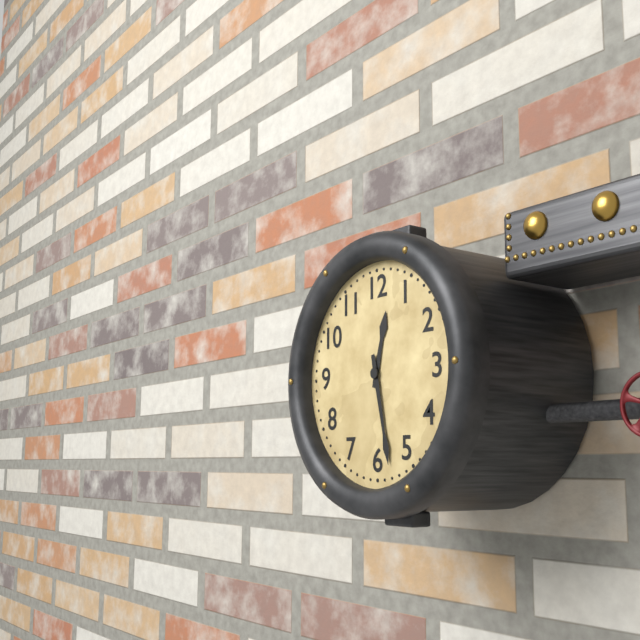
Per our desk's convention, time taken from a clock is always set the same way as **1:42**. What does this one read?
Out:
**12:28**
